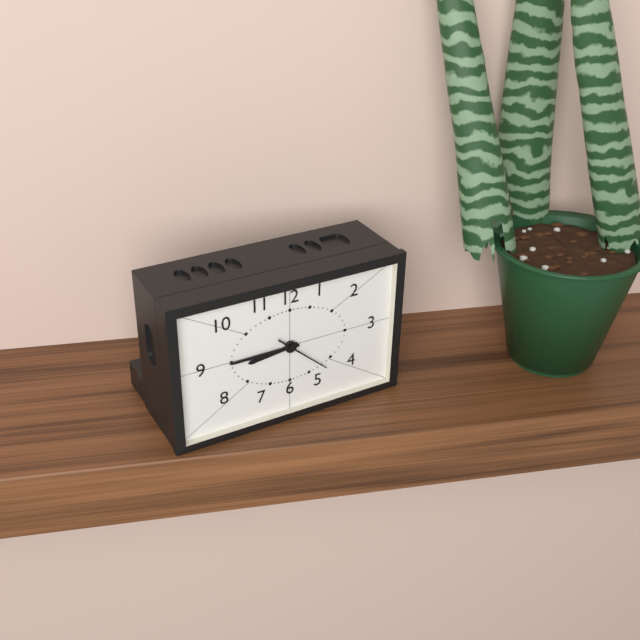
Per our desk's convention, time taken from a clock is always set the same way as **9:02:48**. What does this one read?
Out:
**8:45:22**
